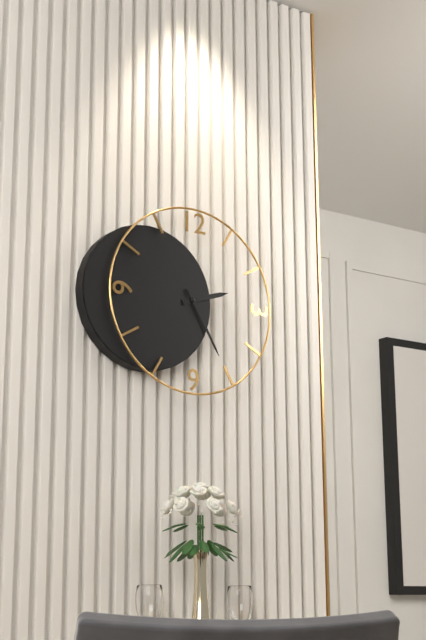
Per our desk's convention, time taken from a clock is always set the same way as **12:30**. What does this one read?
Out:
**2:25**
